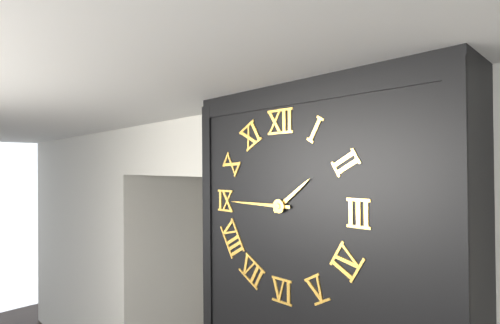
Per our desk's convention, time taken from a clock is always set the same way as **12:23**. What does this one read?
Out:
**1:45**
